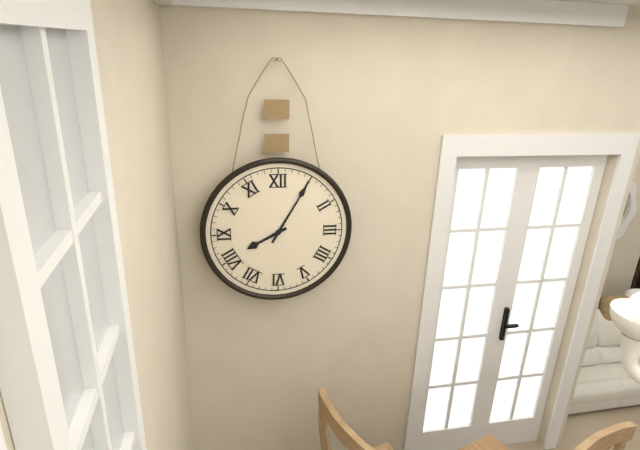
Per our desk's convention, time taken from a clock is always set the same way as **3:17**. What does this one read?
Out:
**8:05**
